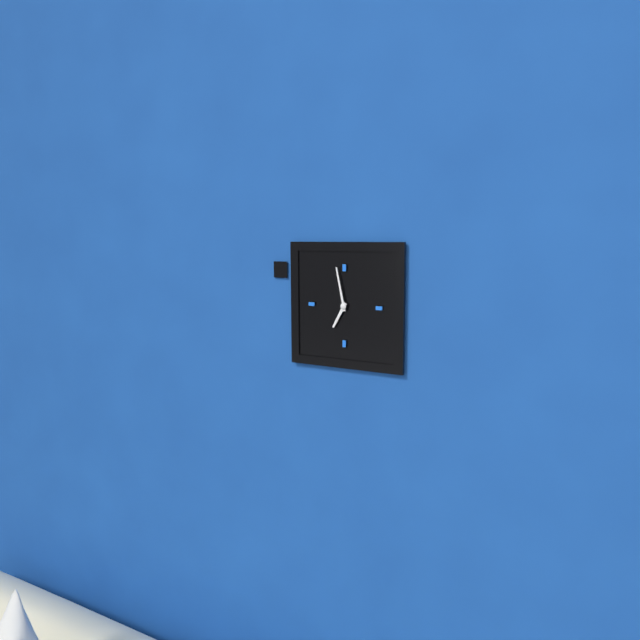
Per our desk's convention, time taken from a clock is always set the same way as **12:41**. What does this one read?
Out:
**6:58**
